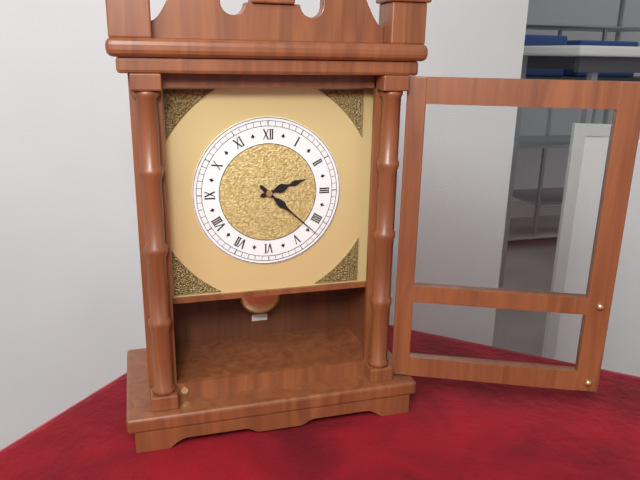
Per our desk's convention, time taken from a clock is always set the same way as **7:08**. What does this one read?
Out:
**2:22**
